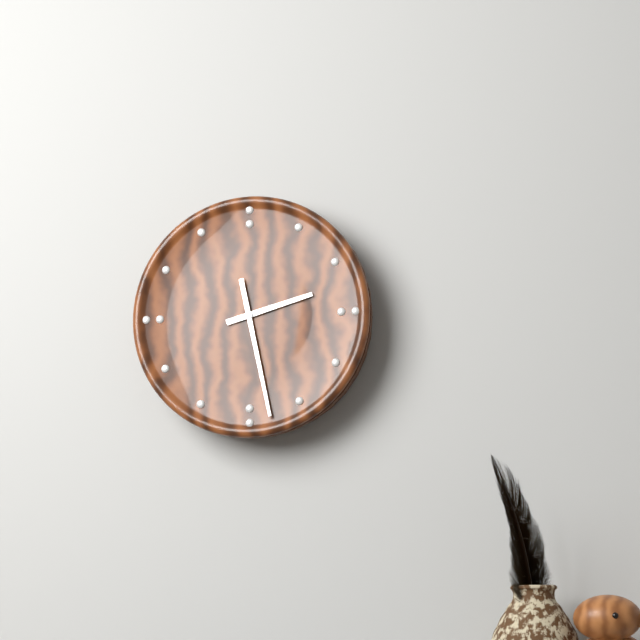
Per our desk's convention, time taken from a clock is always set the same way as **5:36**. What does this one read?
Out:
**2:28**
